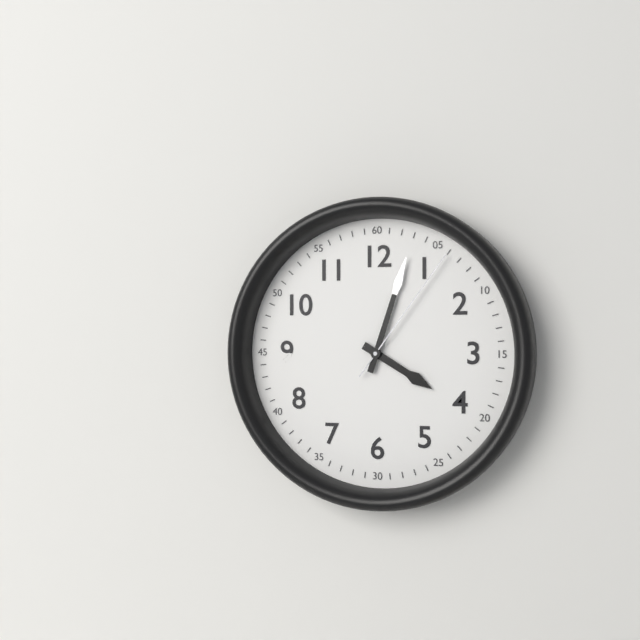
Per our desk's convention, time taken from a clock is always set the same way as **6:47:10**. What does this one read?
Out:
**4:03:06**
